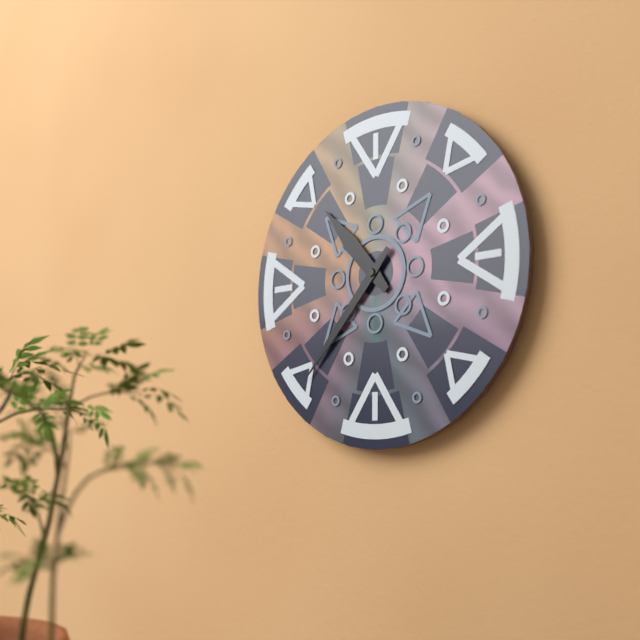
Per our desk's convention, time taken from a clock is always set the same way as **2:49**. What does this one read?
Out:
**10:37**
